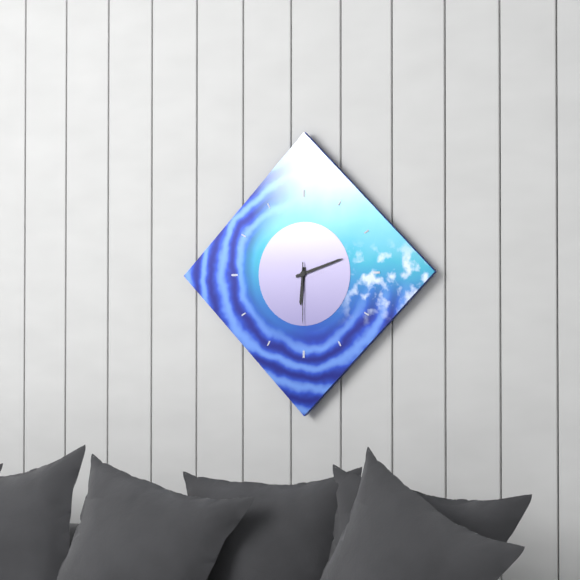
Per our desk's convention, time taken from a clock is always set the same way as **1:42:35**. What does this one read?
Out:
**6:12:30**
